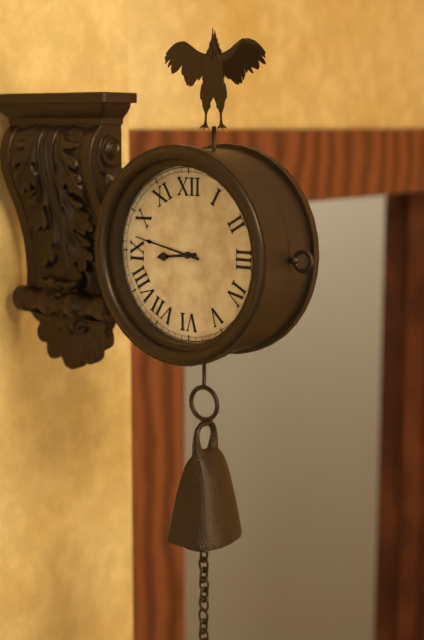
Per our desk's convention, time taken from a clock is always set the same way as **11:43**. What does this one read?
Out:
**8:47**
